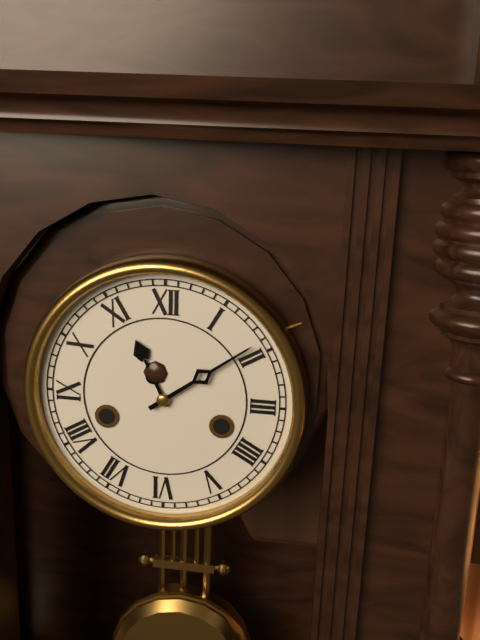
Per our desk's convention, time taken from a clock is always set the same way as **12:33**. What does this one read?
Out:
**11:09**
